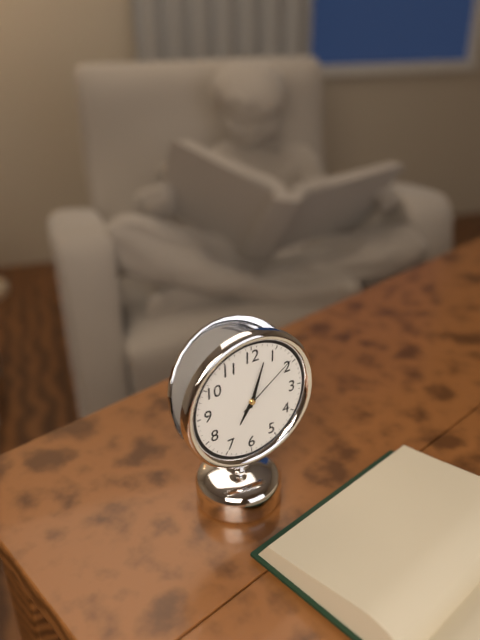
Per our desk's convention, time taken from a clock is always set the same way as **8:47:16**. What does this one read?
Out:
**7:03:09**
